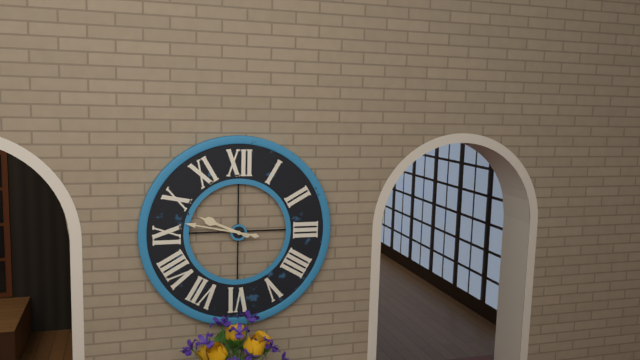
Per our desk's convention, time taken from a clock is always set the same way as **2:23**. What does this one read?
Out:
**9:47**
